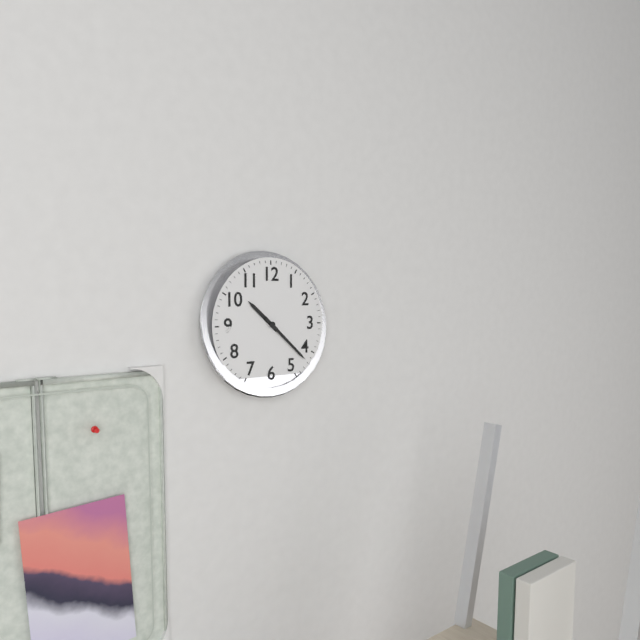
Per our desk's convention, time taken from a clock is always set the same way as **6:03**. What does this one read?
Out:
**10:22**
